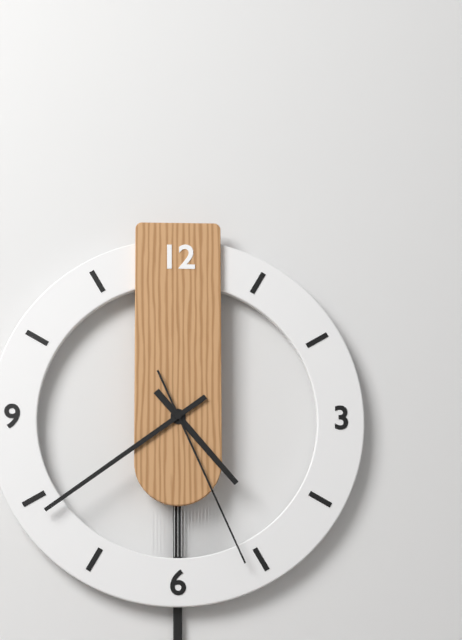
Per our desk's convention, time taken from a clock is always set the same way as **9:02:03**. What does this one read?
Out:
**4:39:26**
